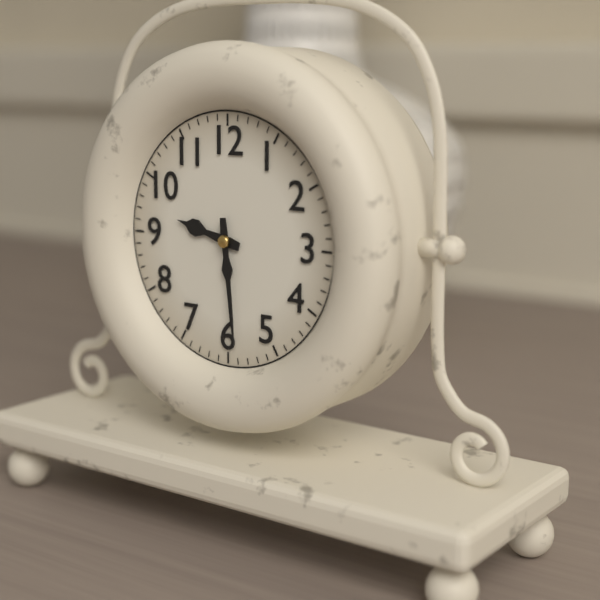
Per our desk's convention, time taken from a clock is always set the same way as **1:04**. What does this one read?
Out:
**9:29**
